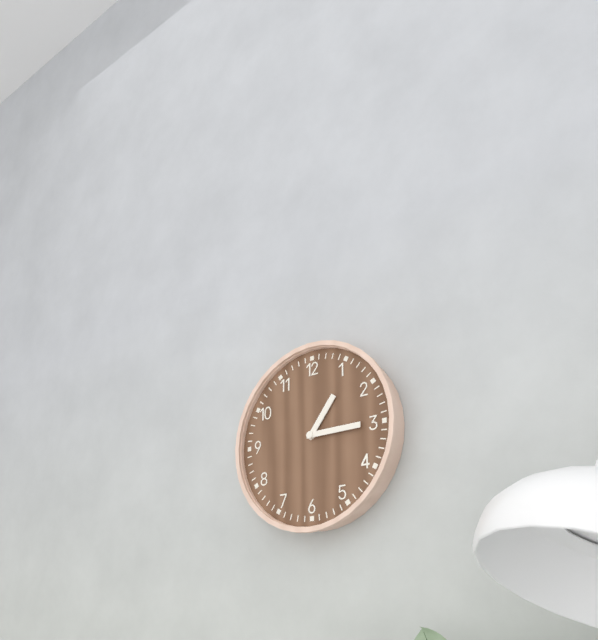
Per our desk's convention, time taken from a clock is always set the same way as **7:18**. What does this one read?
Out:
**1:15**
